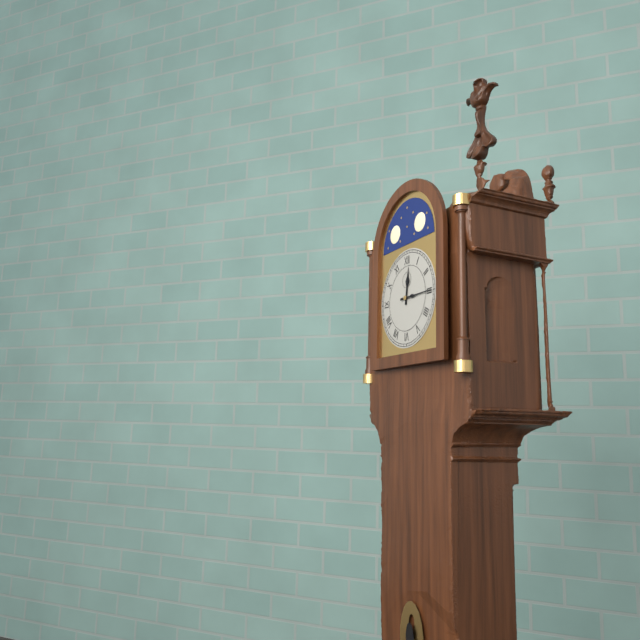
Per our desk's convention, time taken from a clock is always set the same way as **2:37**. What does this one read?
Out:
**12:15**
